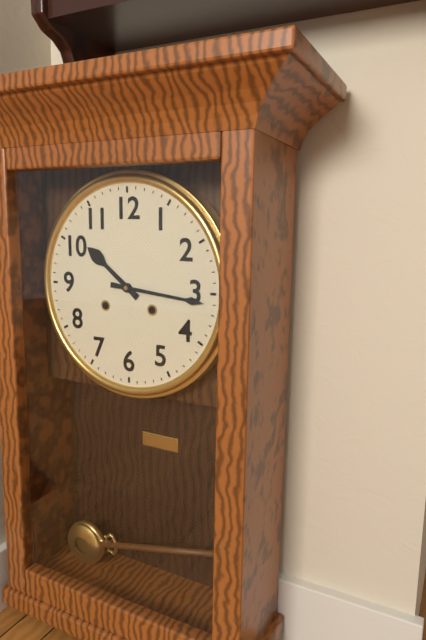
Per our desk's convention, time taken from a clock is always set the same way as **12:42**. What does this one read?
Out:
**10:16**
